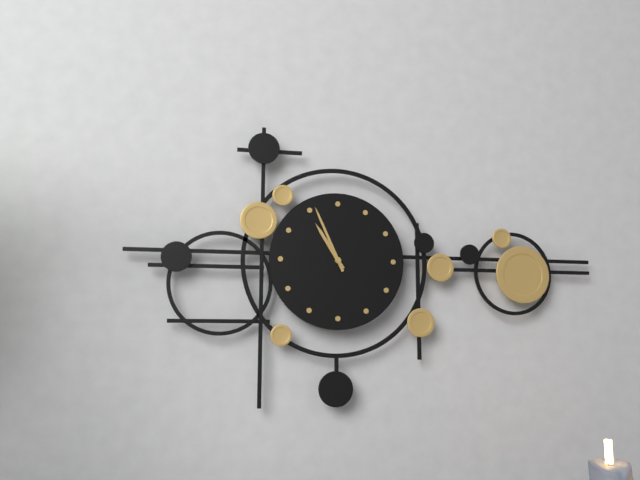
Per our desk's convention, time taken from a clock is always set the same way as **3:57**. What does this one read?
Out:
**10:56**
